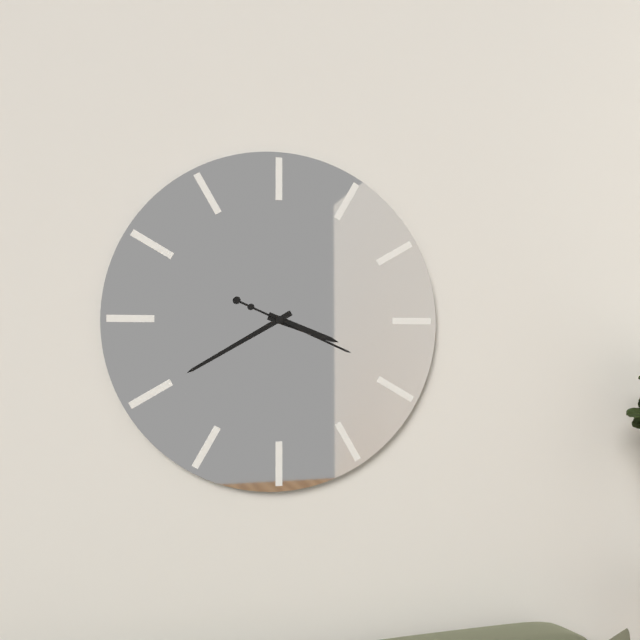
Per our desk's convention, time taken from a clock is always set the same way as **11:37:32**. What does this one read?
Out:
**3:40:19**
